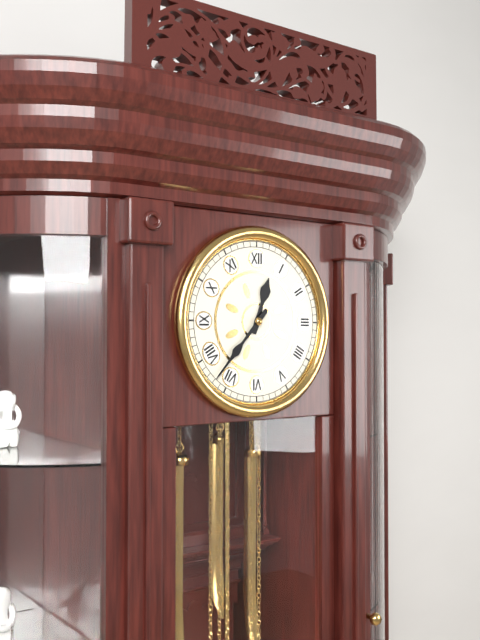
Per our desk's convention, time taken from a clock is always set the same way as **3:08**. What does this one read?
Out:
**12:37**
